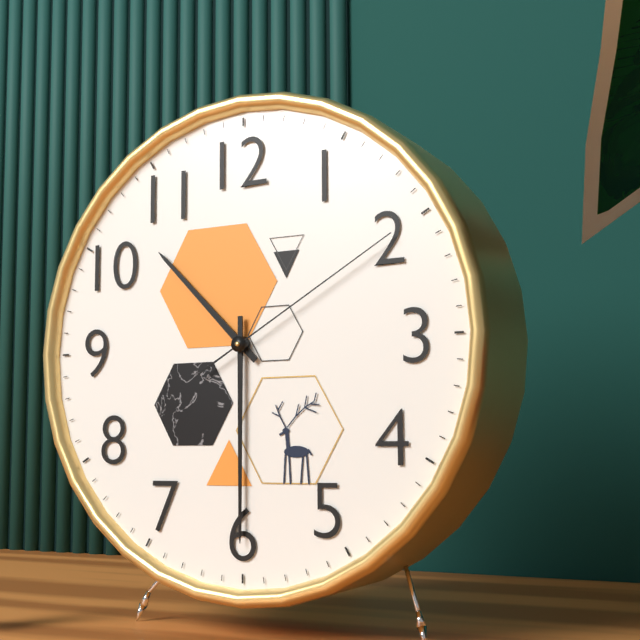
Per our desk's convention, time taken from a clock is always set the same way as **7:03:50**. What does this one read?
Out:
**10:30:10**
